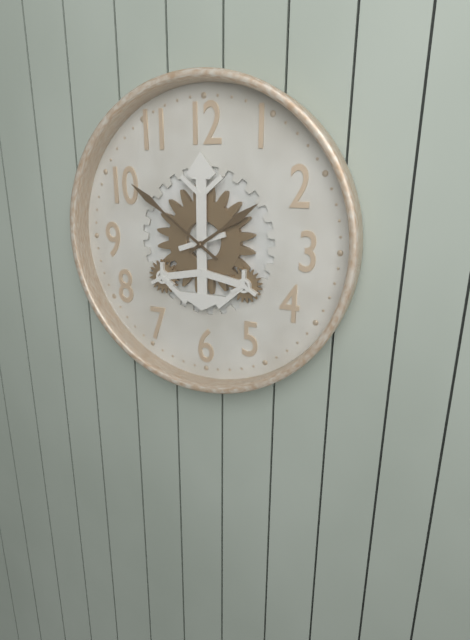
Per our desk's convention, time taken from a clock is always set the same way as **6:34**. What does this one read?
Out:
**1:51**
